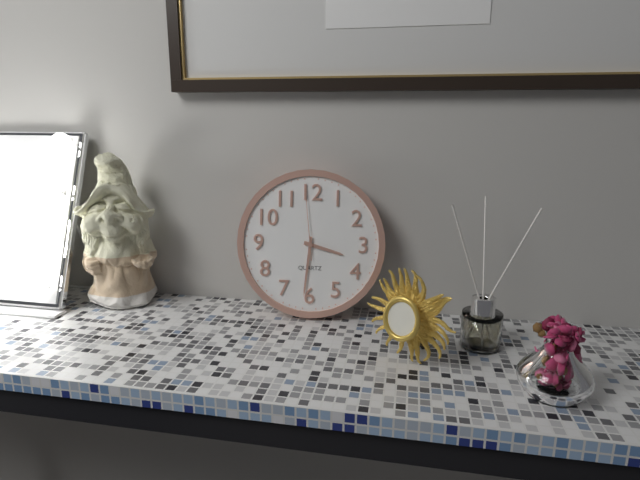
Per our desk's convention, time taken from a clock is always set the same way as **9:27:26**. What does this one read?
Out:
**3:31:59**
